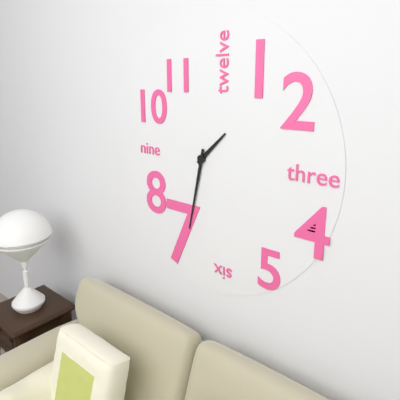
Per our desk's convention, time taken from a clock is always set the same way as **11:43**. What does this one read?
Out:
**1:32**
